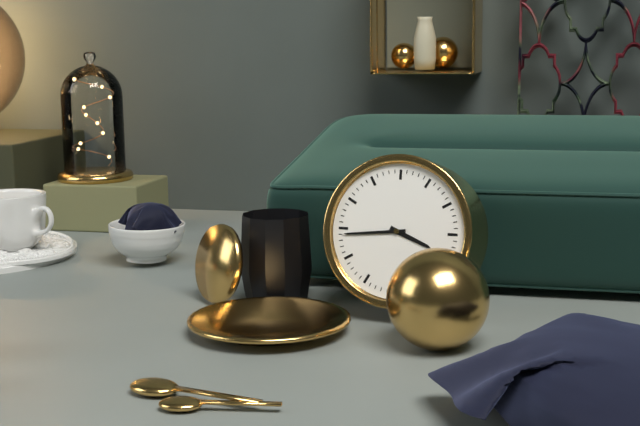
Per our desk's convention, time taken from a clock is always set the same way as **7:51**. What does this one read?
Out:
**3:44**
